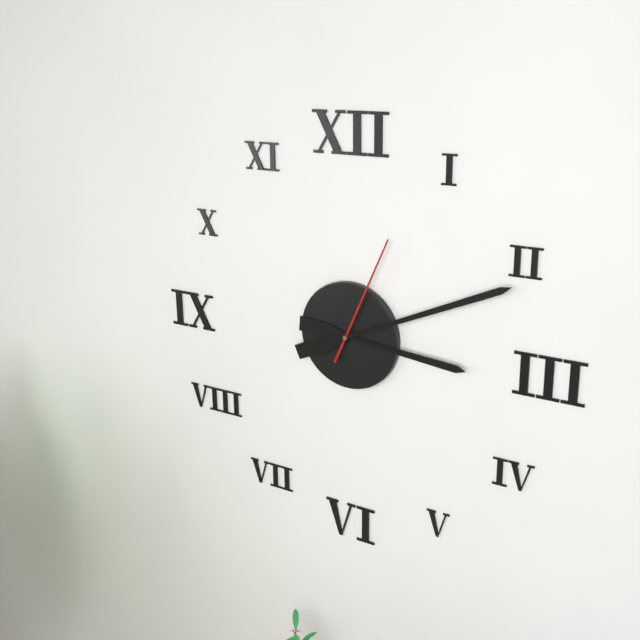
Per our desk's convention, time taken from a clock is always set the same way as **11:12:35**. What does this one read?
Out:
**3:11:04**
